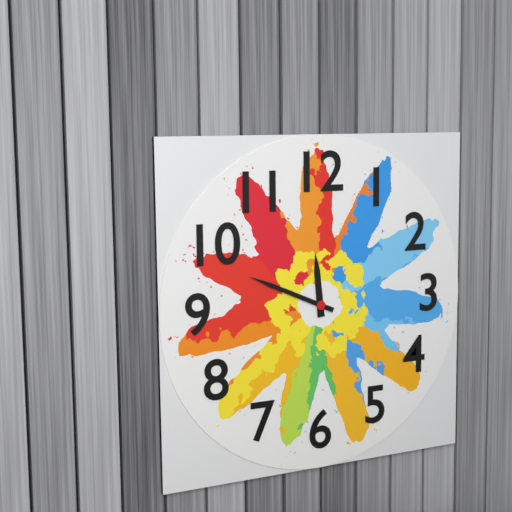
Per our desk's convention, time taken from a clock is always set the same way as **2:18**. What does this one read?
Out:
**11:49**
